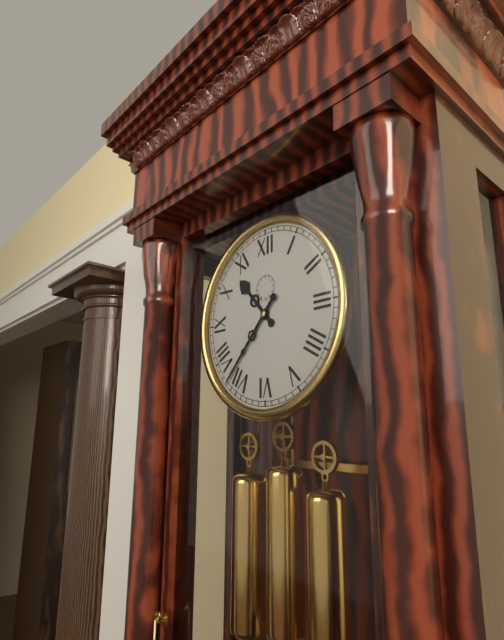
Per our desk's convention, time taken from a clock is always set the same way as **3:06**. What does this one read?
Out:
**10:37**
